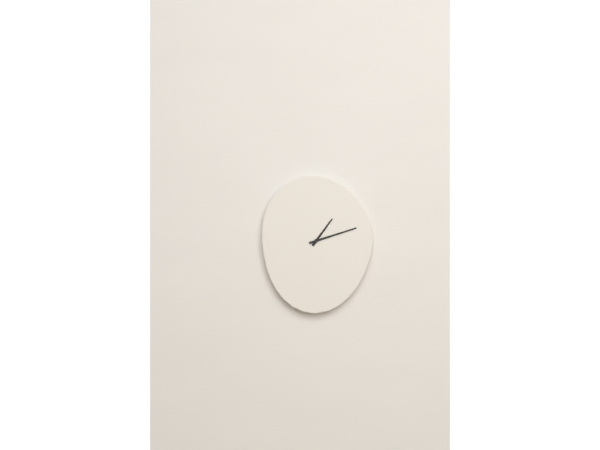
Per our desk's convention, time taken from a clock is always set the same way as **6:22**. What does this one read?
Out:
**1:12**
